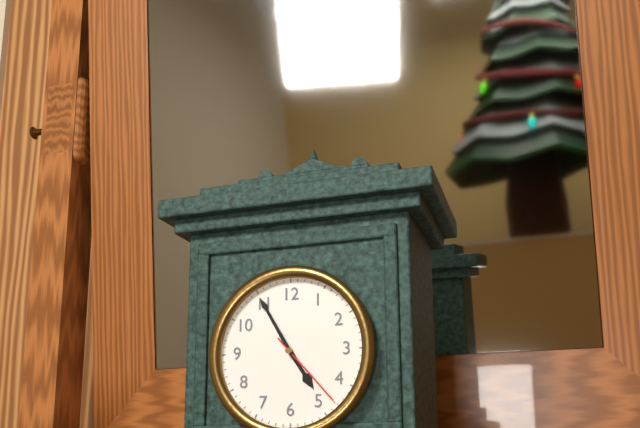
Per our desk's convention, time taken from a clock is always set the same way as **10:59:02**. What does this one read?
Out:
**4:55:23**
